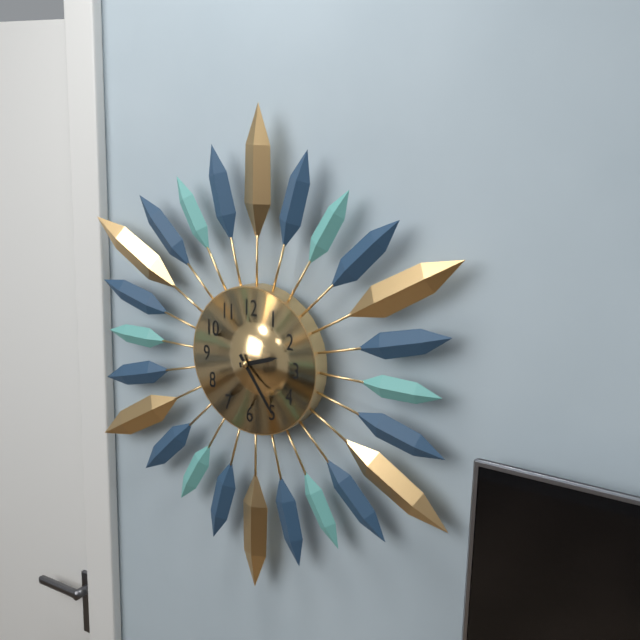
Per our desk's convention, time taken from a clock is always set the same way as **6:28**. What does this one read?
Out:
**2:24**
